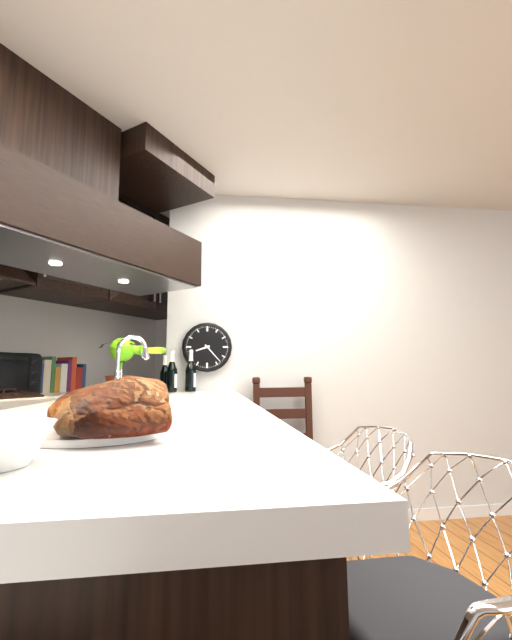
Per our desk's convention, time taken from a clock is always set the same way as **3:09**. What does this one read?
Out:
**8:23**
